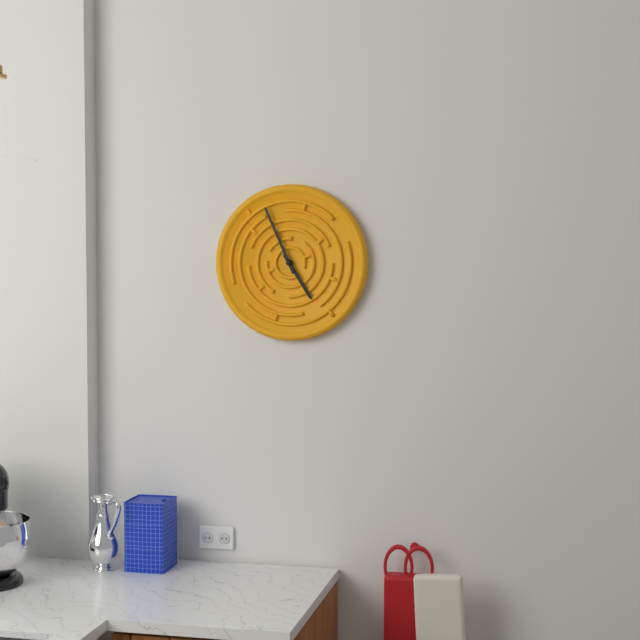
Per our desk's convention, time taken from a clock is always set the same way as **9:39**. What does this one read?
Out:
**4:56**
